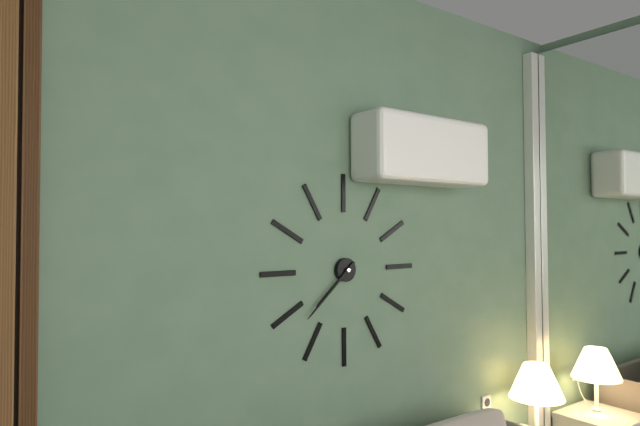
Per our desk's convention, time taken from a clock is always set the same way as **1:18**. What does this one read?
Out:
**7:38**
